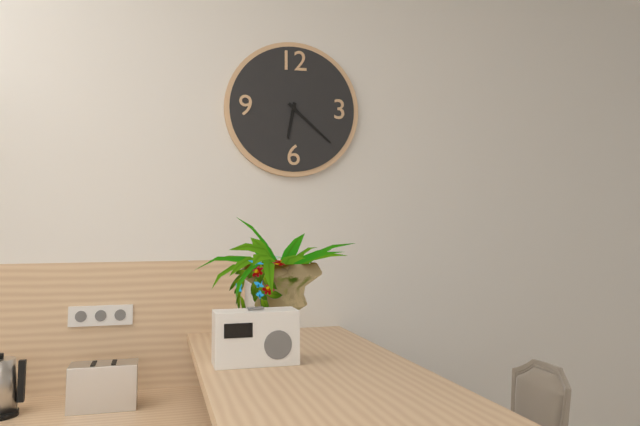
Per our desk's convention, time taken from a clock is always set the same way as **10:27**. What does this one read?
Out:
**6:22**
